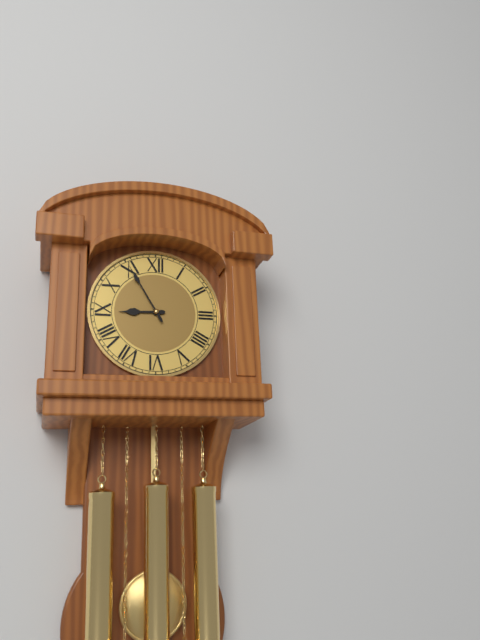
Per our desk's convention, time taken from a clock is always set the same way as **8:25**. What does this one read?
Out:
**8:55**
